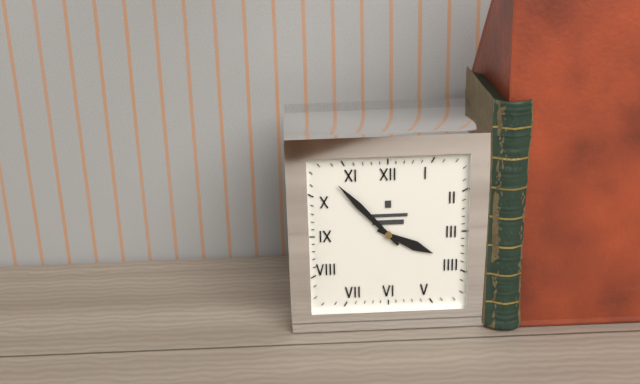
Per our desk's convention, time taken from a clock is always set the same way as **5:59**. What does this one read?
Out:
**3:53**
